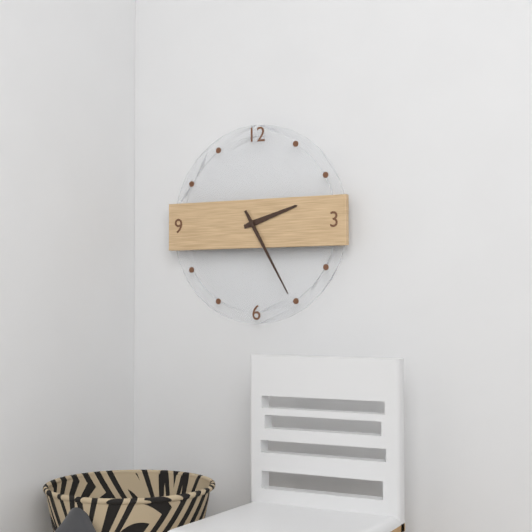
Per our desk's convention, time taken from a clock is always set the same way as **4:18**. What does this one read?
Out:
**2:25**
